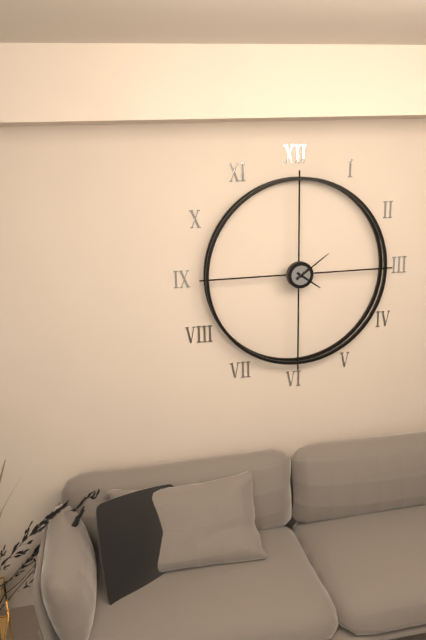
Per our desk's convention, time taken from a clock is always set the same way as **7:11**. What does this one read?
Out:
**4:09**
